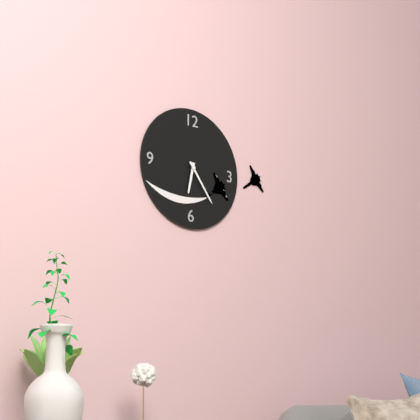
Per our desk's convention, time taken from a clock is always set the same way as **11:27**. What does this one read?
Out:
**6:24**
